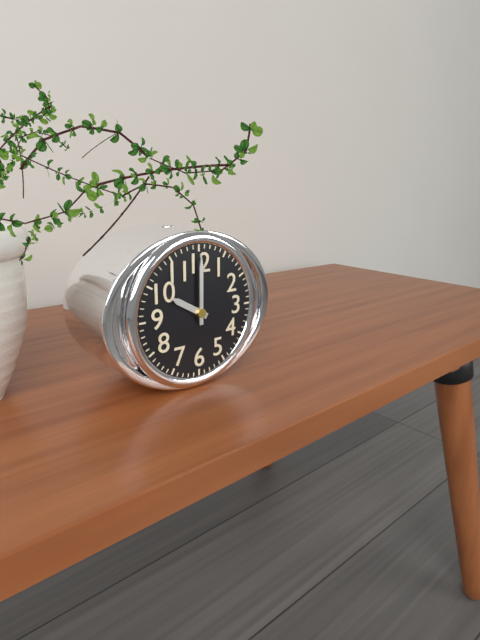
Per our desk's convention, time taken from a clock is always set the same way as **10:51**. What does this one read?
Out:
**10:00**
